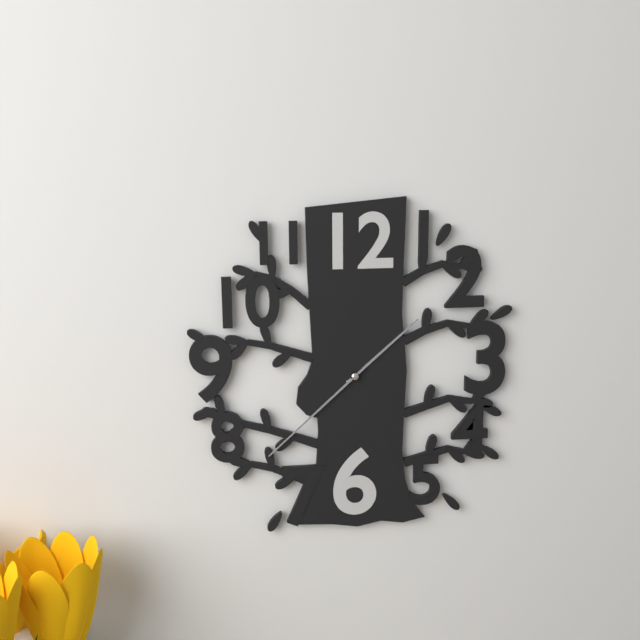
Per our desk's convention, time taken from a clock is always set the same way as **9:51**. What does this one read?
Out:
**1:38**
